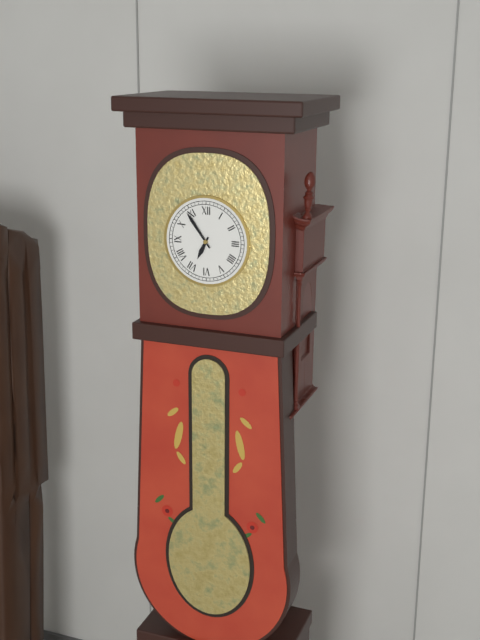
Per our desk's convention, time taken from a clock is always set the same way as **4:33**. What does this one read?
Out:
**6:54**
